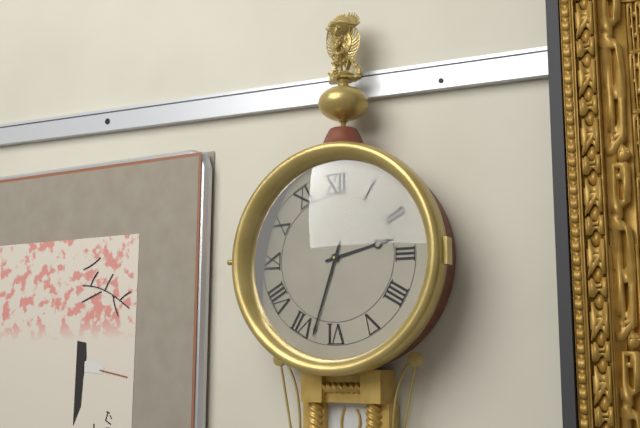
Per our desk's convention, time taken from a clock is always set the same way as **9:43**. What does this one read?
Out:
**2:33**
